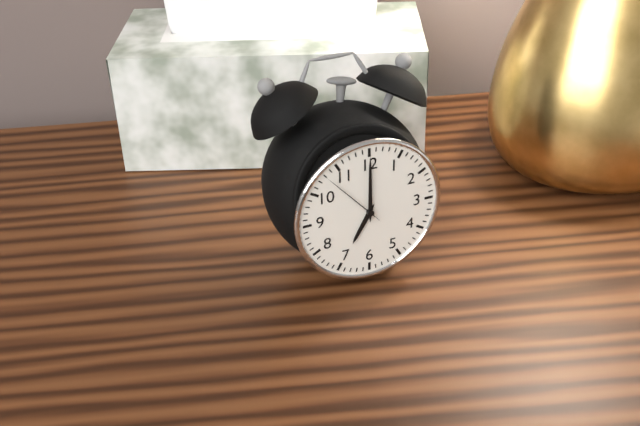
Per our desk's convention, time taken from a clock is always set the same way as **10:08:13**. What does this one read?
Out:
**7:00:53**
